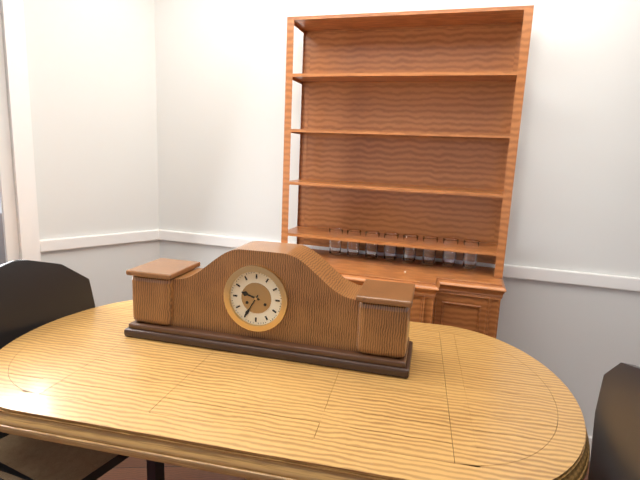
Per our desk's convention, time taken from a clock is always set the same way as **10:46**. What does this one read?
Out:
**9:35**
